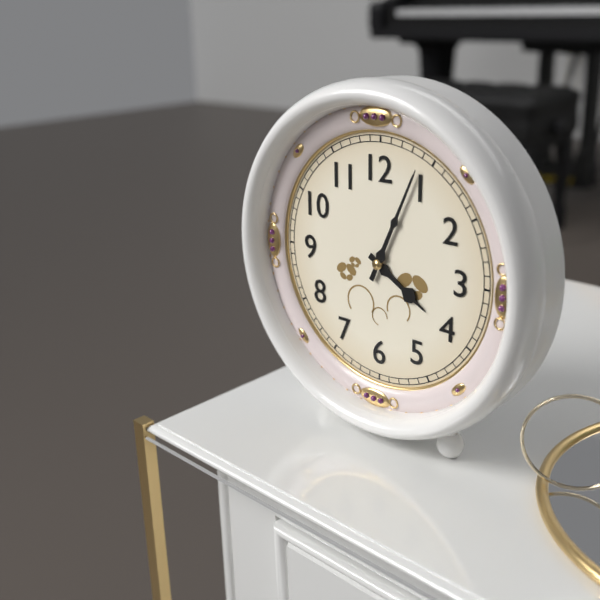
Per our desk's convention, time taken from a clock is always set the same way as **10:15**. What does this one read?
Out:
**4:04**
